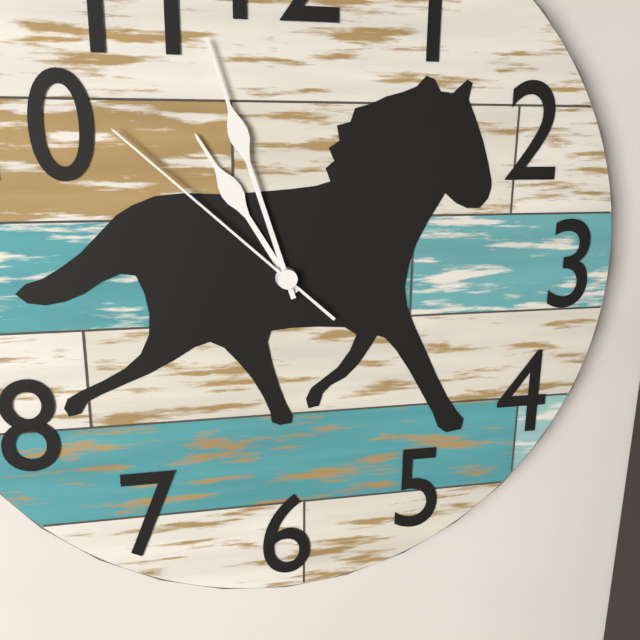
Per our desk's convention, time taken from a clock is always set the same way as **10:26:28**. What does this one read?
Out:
**10:57:52**
